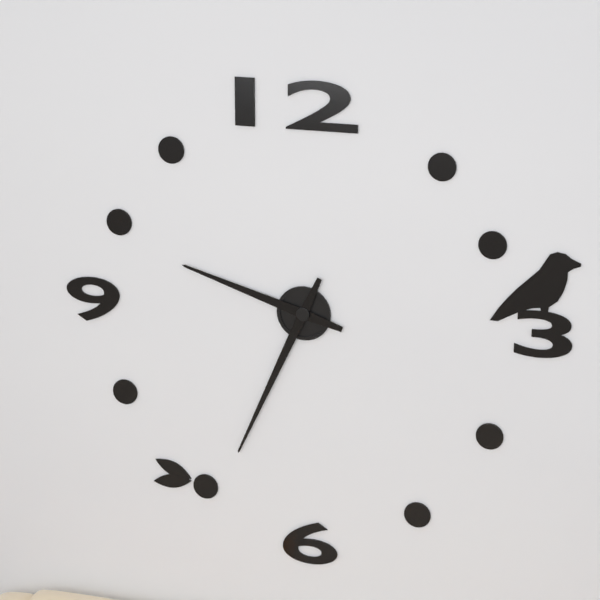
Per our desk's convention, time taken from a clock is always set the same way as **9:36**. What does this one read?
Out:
**9:34**
